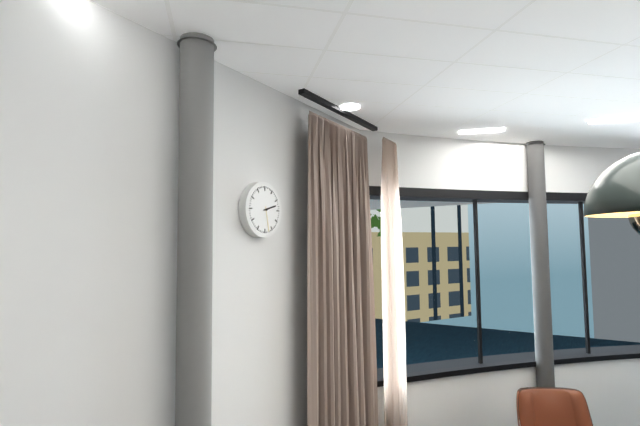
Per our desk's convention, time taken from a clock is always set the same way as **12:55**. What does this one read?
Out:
**2:28**
